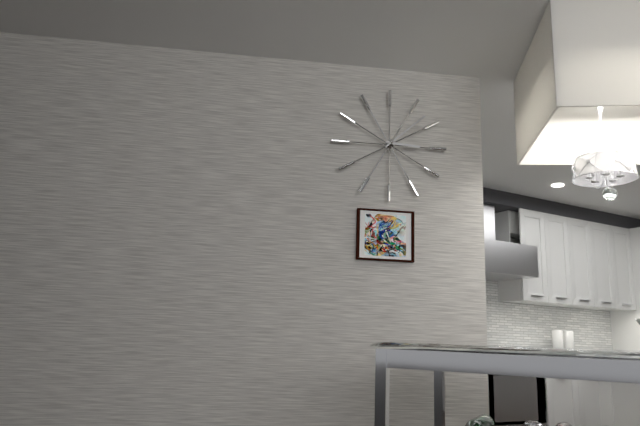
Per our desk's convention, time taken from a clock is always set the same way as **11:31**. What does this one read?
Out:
**3:08**
